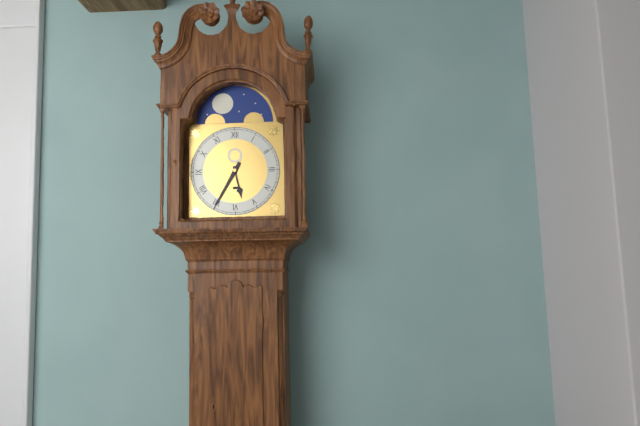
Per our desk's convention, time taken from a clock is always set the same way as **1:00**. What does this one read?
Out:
**5:35**
